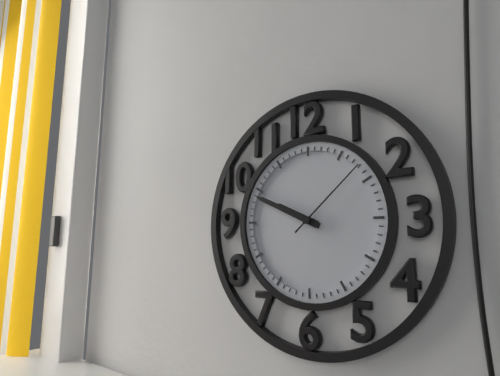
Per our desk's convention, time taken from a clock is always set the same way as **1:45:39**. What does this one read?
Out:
**9:49:08**
